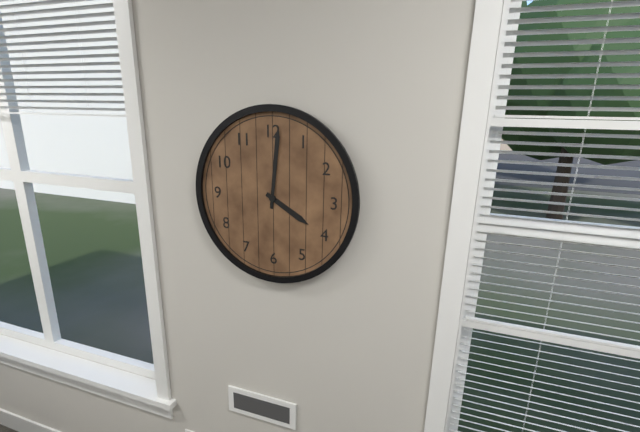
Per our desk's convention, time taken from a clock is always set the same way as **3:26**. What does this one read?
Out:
**4:01**
